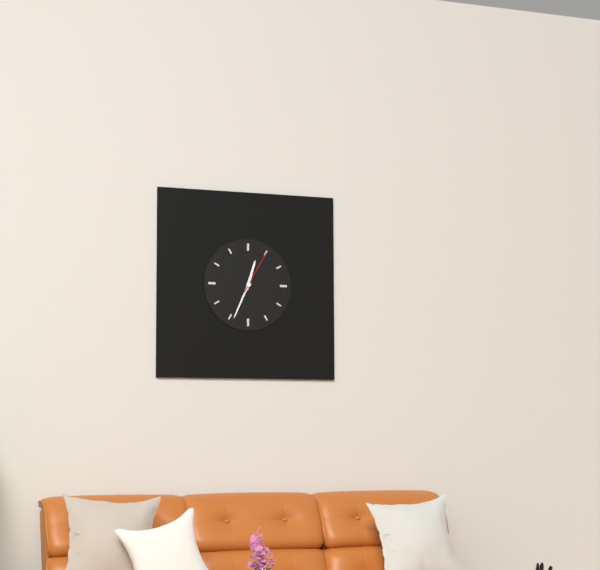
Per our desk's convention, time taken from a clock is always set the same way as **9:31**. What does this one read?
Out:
**12:34**
